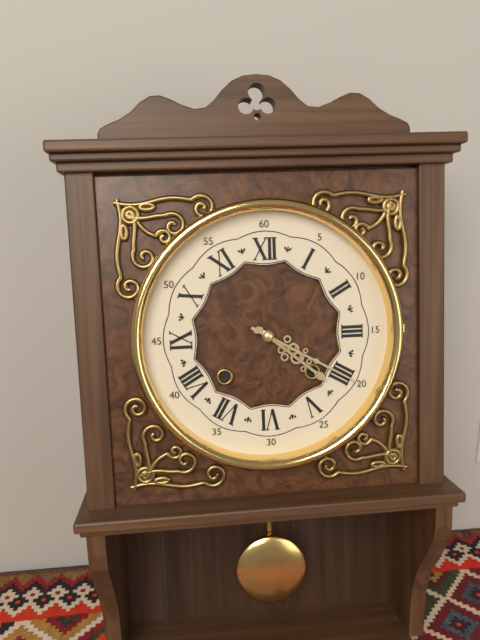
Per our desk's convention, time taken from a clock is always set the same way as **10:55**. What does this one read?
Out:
**4:20**
